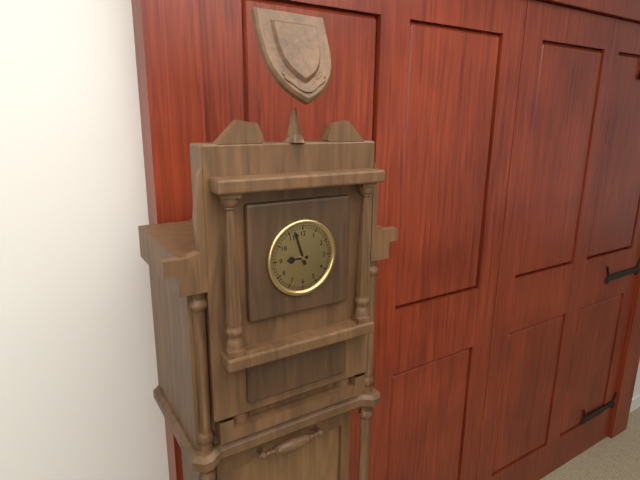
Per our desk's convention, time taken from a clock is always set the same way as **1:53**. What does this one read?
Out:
**8:57**
